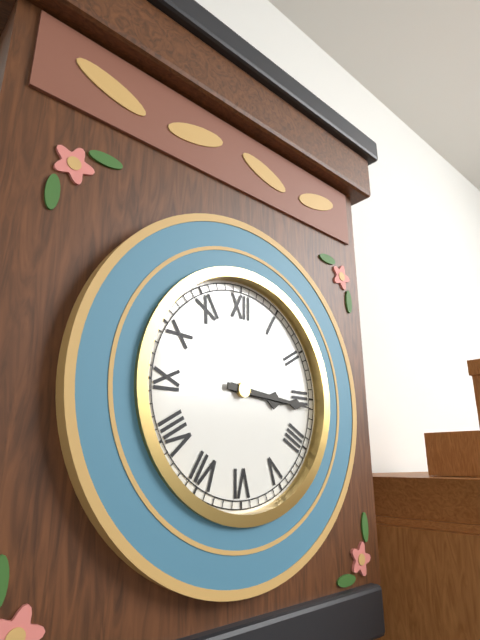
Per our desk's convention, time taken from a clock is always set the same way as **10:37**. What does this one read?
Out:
**3:16**
